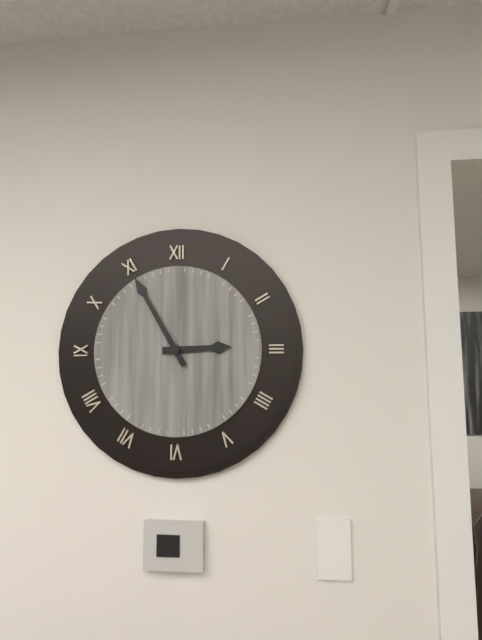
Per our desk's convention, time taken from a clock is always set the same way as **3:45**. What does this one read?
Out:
**2:55**
